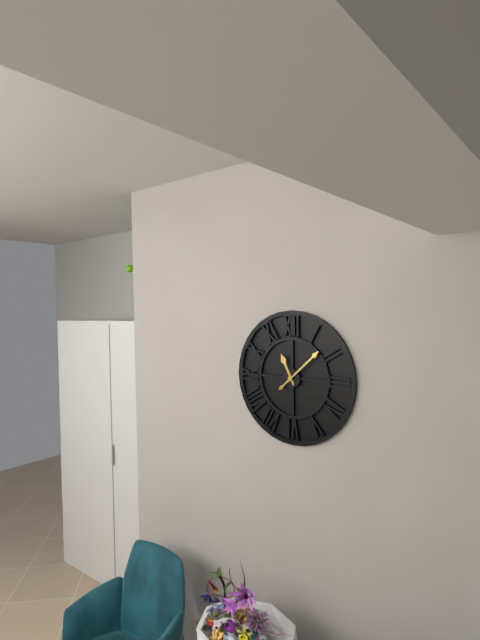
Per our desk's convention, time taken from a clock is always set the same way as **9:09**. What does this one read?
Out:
**11:08**
